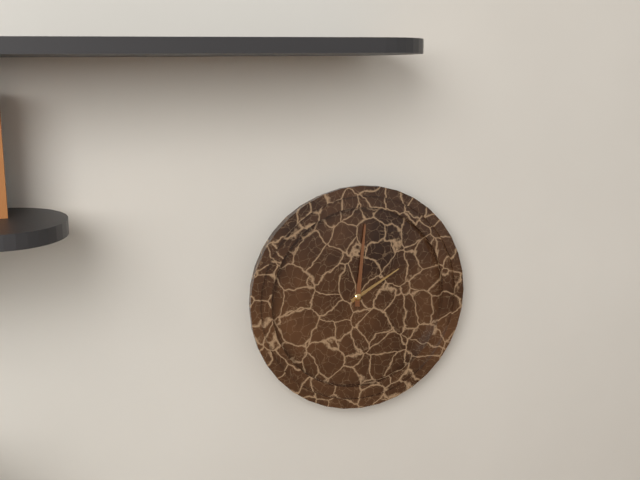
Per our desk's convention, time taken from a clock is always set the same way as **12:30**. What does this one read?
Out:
**2:01**
